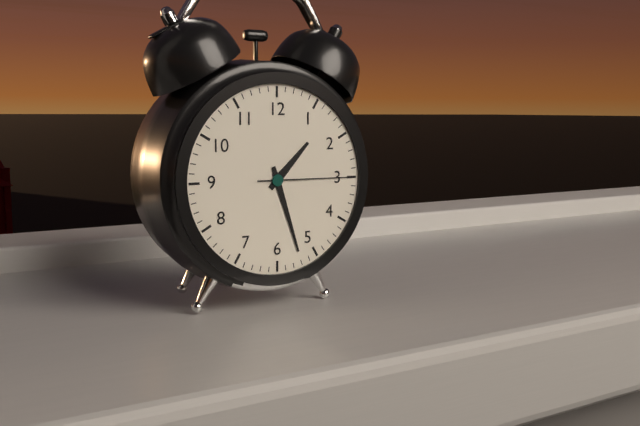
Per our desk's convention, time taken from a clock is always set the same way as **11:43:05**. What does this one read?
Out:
**1:27:15**
